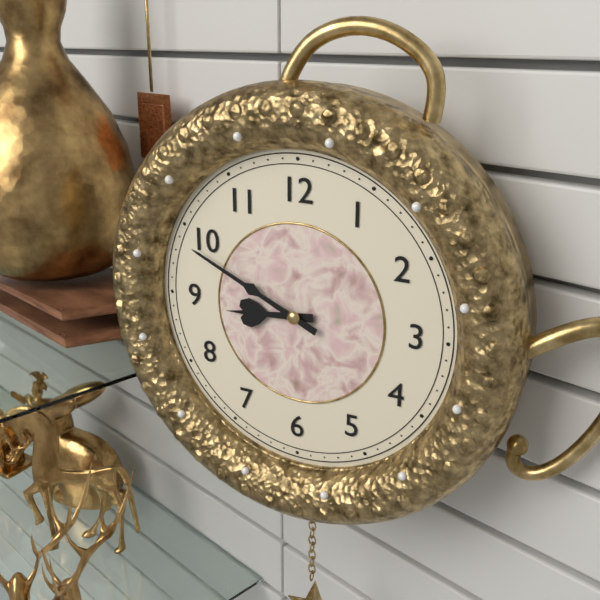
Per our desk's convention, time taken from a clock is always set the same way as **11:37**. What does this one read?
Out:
**8:49**
